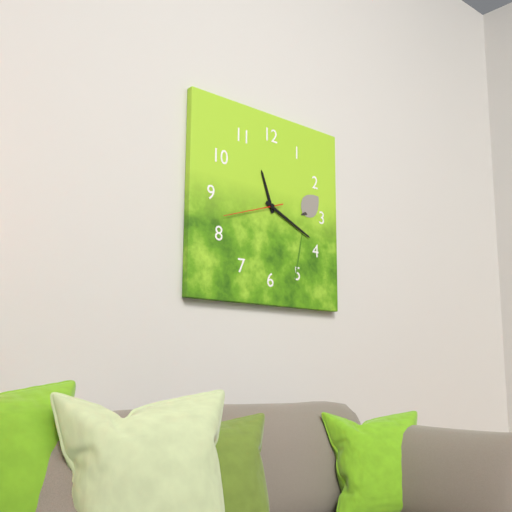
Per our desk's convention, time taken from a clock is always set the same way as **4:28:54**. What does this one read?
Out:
**11:19:42**
